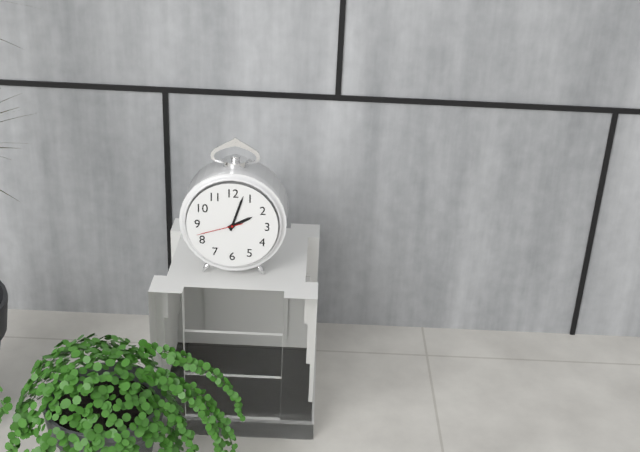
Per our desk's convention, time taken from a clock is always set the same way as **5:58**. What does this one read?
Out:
**2:03**
